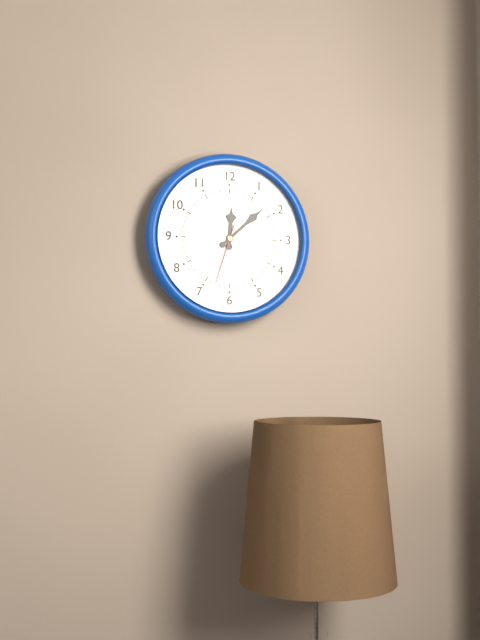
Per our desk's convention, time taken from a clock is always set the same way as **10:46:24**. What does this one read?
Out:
**12:08:33**
